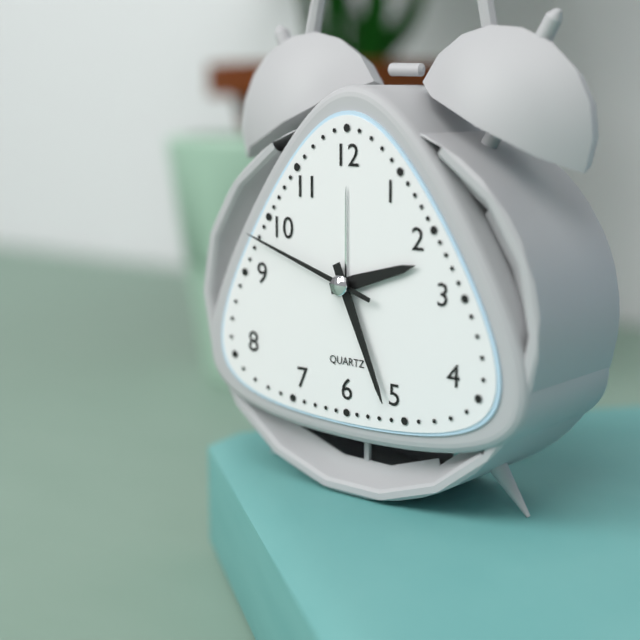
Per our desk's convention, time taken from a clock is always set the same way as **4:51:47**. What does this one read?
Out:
**2:26:48**
